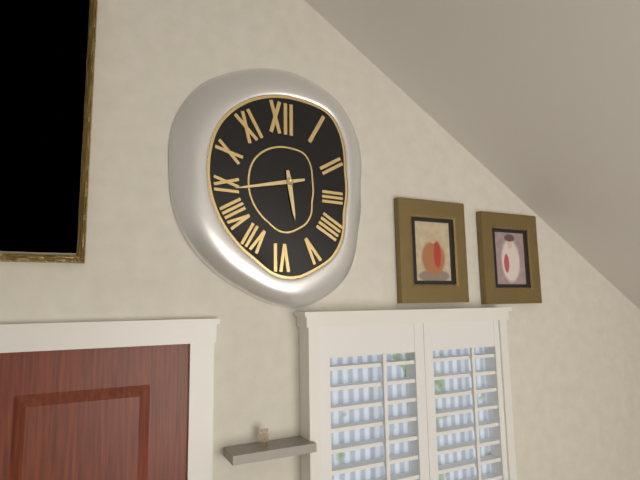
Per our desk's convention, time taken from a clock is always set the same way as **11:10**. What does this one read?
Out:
**5:43**
